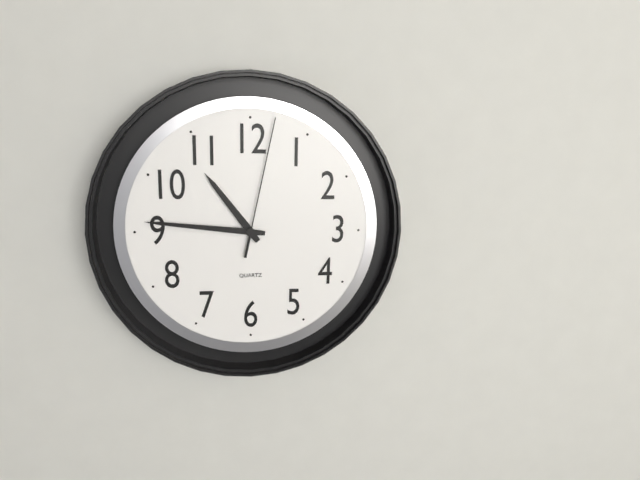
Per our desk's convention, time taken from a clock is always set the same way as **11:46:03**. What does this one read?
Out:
**10:46:02**
